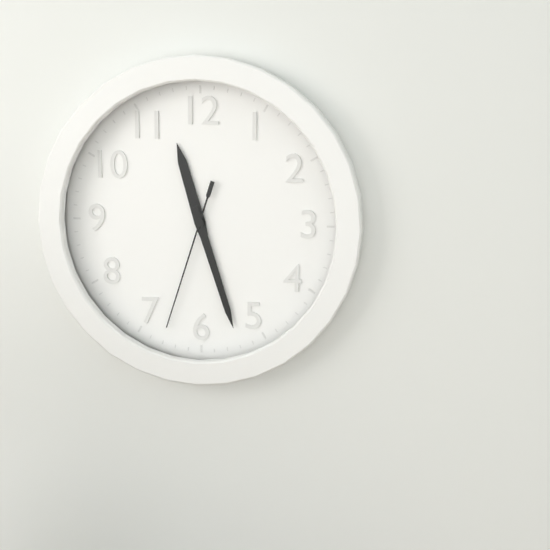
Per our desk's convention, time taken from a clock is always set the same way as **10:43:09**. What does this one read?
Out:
**11:27:33**
